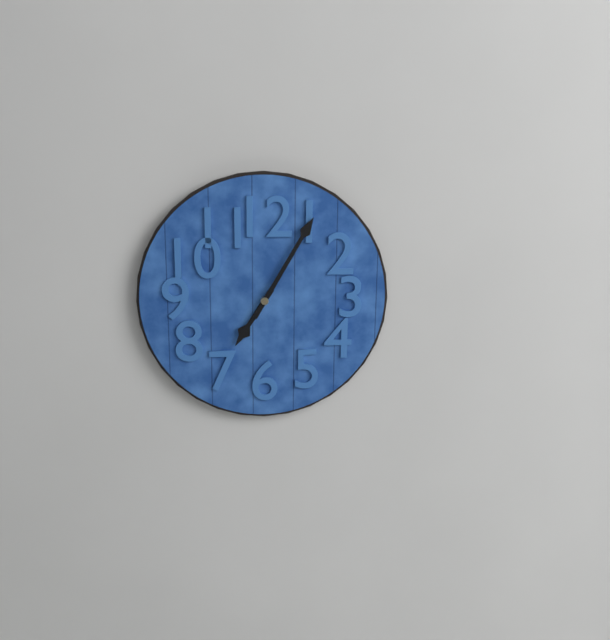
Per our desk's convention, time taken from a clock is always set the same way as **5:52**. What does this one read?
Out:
**7:05**
